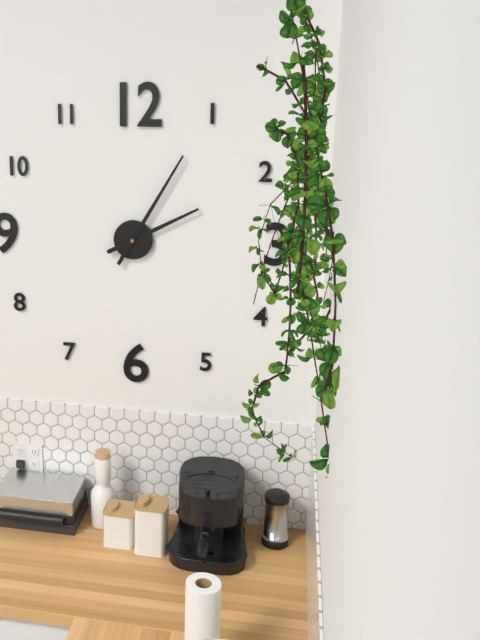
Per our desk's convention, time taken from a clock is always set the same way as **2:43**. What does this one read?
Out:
**2:05**
